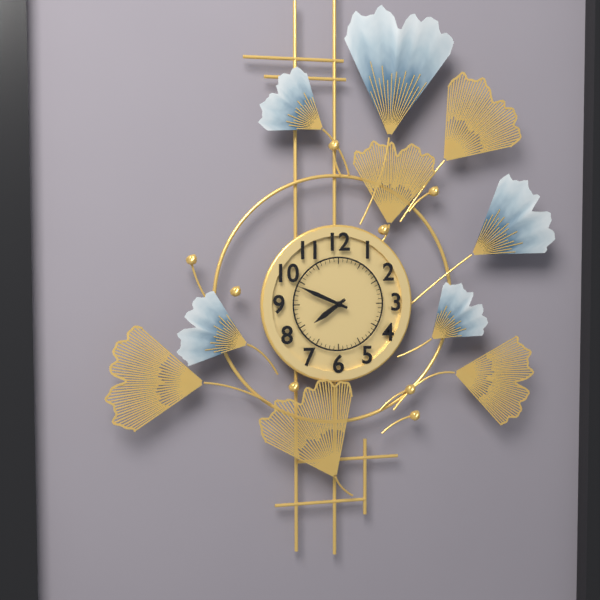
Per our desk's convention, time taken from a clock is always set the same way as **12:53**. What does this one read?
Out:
**7:49**
